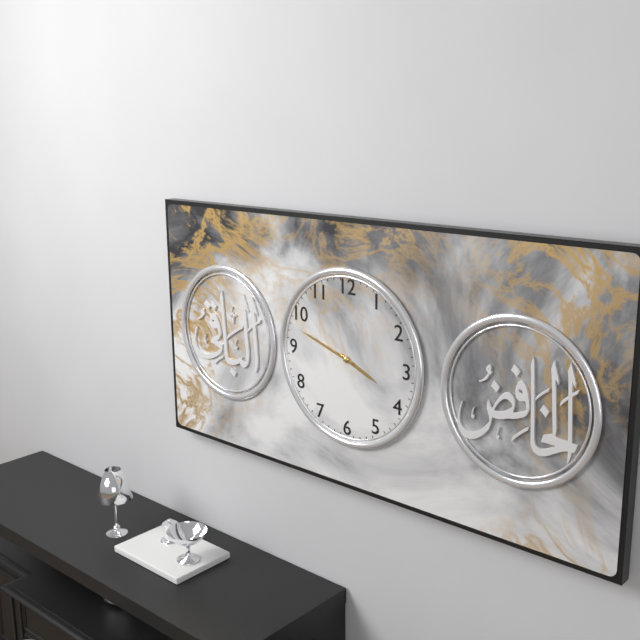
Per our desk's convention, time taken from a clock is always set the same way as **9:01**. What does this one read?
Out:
**3:48**
